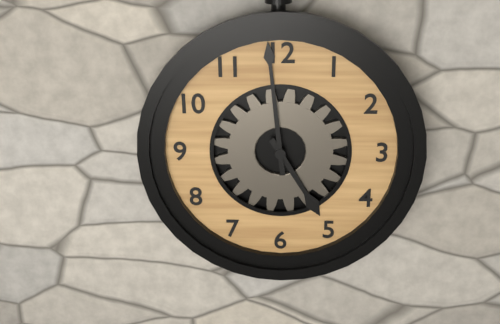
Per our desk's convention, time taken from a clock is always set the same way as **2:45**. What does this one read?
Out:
**4:59**
